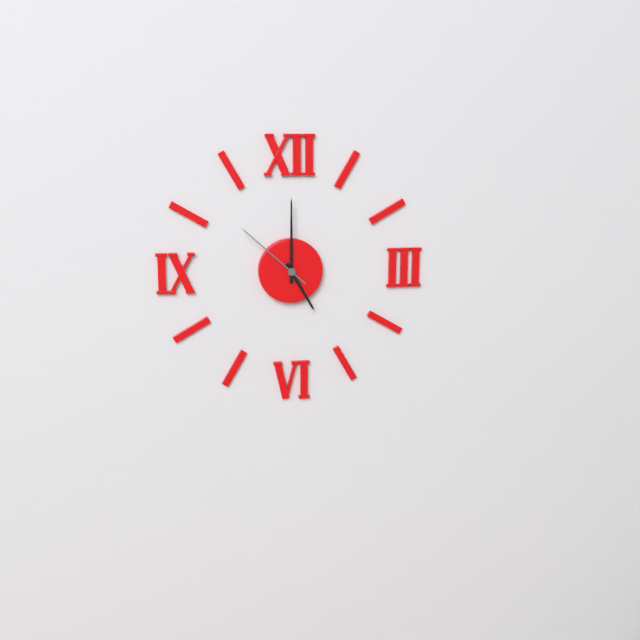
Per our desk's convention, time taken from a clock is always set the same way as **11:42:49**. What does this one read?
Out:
**5:00:52**
